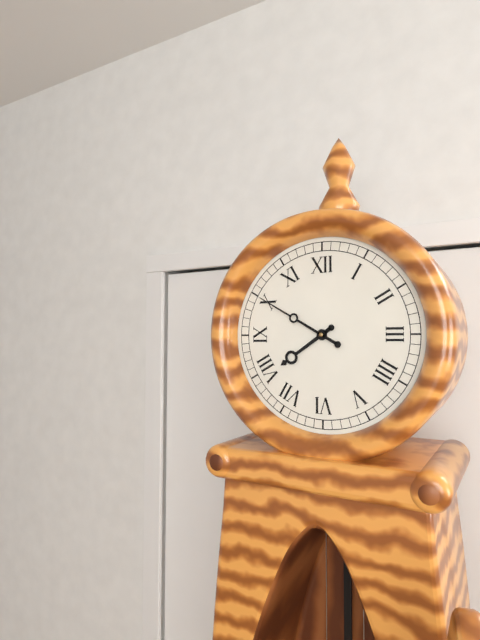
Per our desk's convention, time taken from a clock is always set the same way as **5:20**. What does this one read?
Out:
**7:50**
